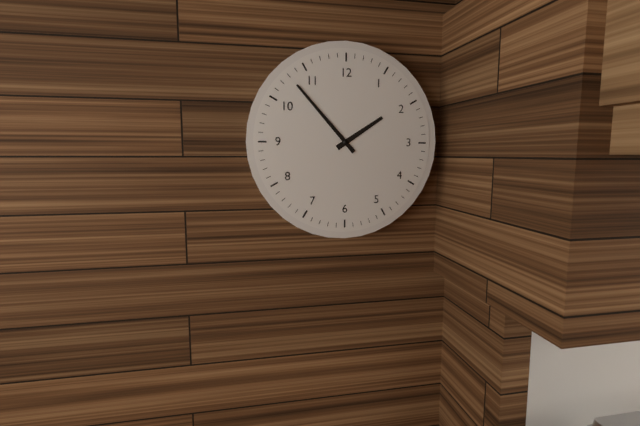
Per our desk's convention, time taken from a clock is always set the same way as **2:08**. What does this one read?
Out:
**1:53**
